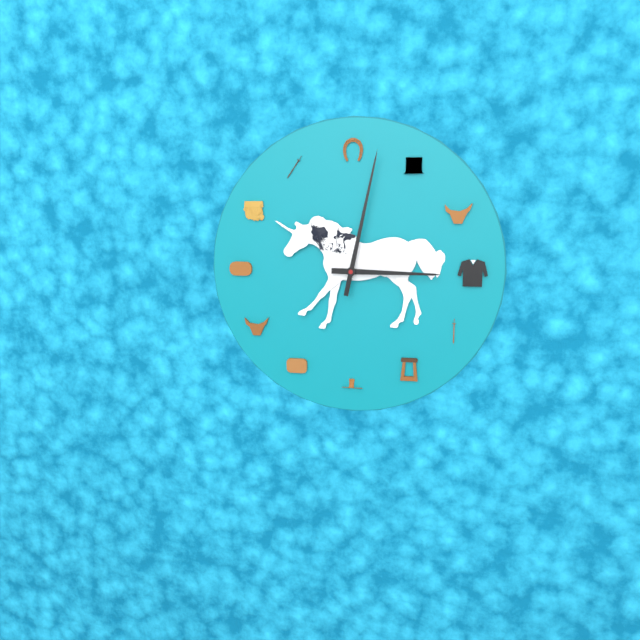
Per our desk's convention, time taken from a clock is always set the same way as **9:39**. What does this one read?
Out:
**3:02**
